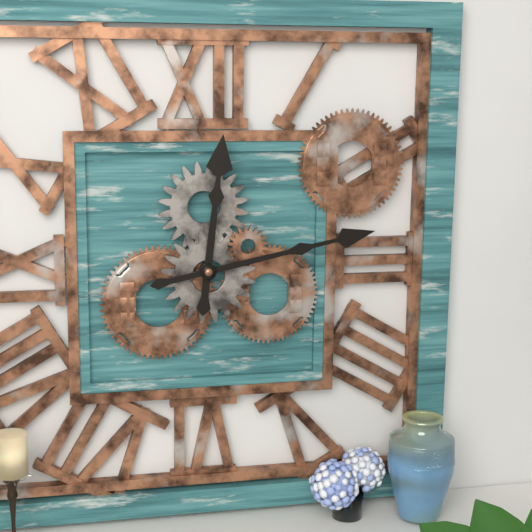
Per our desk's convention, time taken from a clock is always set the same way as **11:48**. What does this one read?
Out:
**12:13**
